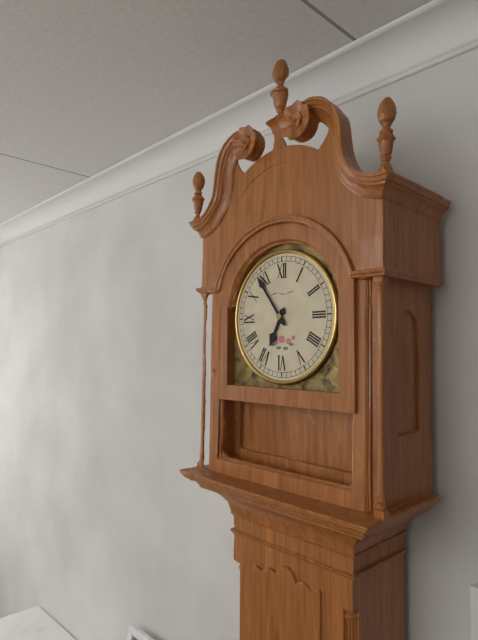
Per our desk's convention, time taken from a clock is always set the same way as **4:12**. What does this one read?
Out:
**6:54**
